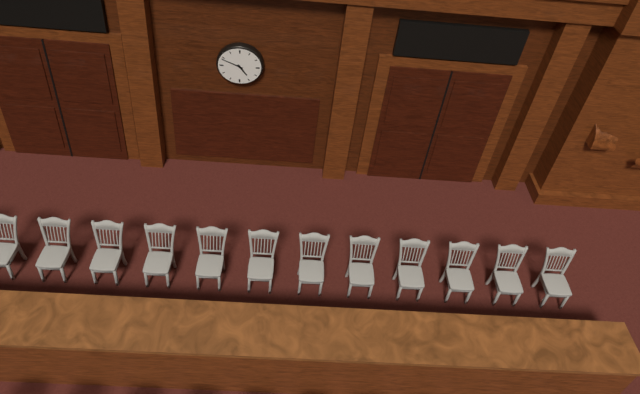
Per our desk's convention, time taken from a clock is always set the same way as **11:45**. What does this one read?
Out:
**4:49**
